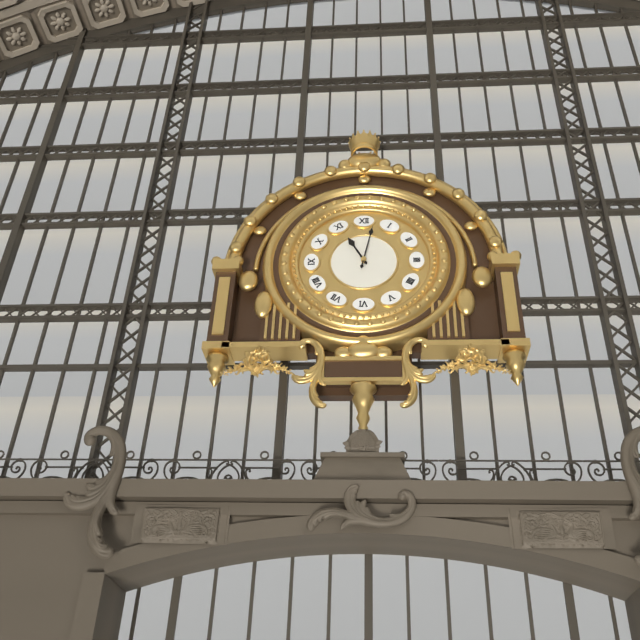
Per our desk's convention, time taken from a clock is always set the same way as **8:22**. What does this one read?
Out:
**11:02**
